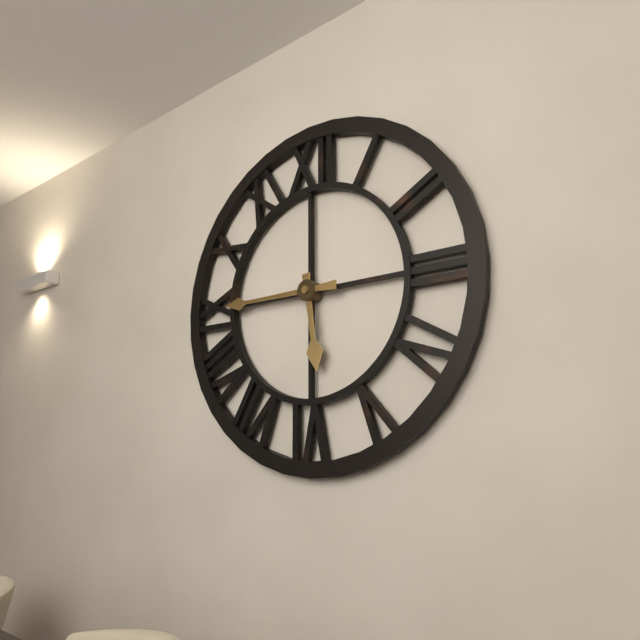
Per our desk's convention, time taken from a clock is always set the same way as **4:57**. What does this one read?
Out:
**5:45**
